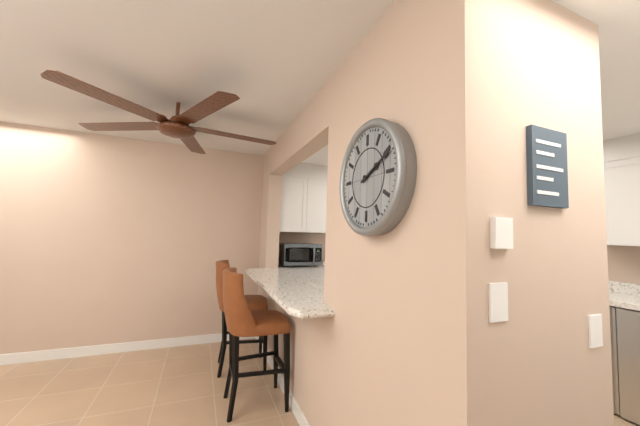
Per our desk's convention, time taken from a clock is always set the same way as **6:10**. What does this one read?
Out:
**2:11**
